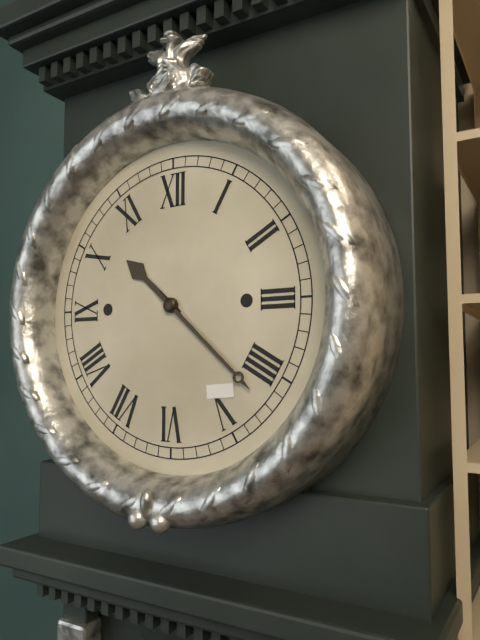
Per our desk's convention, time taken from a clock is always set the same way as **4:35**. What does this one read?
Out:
**10:22**
